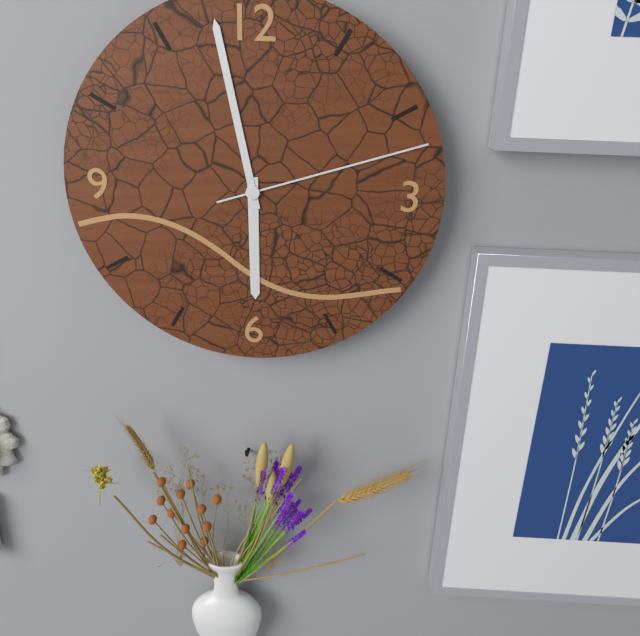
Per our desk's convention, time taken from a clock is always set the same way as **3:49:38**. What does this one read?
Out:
**5:58:12**
